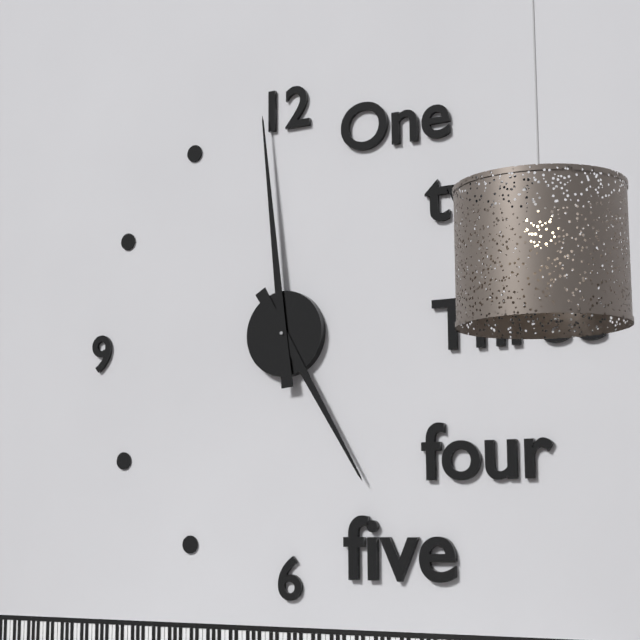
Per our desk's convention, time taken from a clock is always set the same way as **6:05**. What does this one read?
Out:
**4:59**
